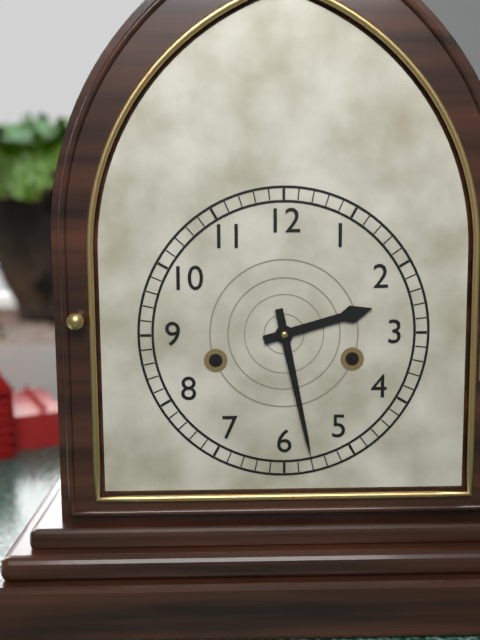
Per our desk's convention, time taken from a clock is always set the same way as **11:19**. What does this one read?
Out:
**2:28**
